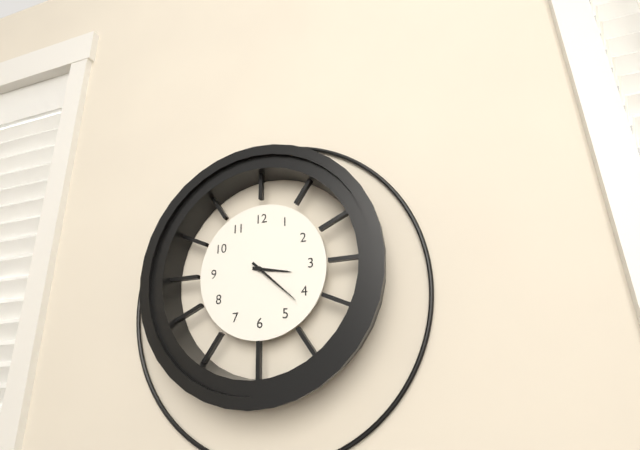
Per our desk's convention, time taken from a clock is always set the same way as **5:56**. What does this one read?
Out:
**3:22**
